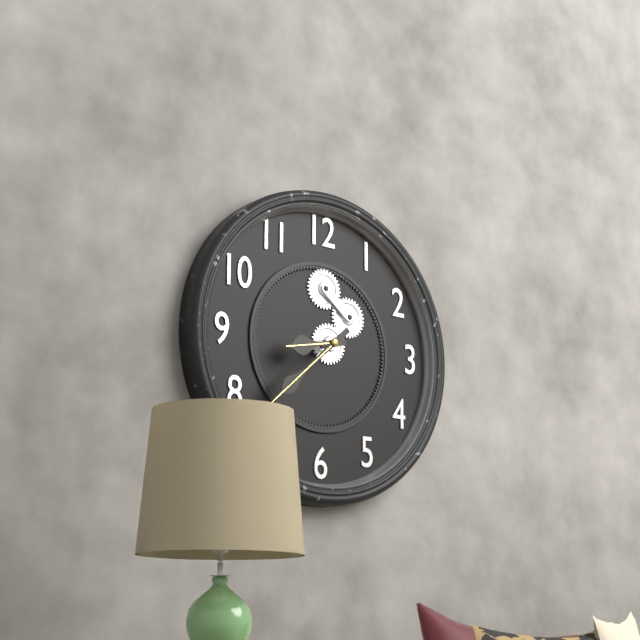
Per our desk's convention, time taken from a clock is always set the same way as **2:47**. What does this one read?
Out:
**8:38**
